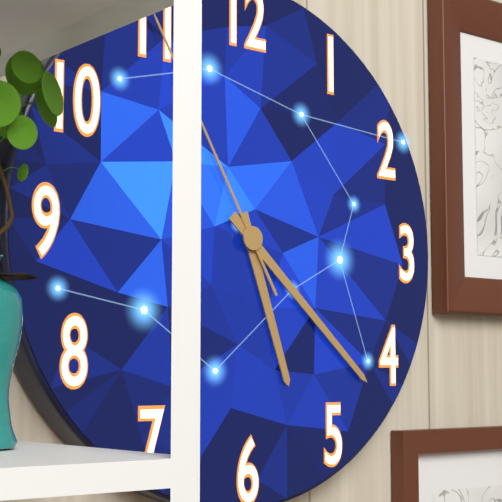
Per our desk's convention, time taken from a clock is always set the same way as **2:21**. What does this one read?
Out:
**5:22**
